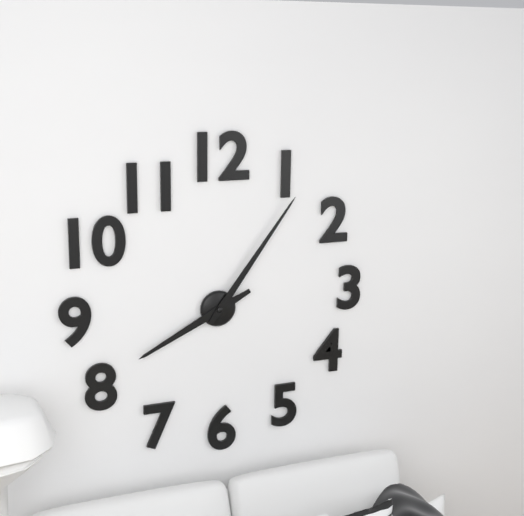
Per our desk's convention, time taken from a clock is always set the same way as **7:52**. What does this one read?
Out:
**8:06**
